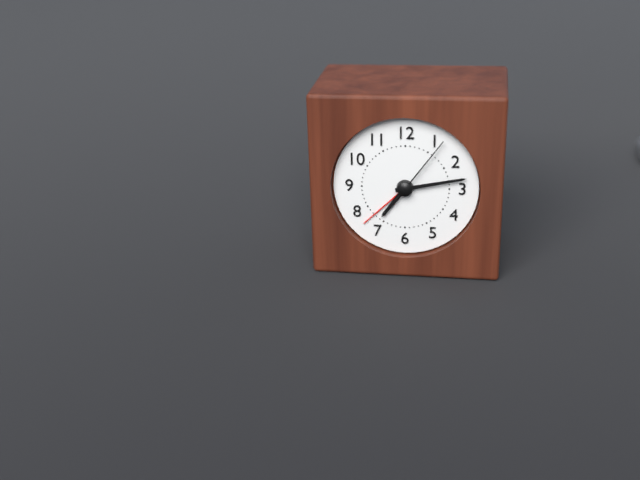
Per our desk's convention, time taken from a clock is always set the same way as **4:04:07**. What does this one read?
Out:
**7:13:06**
